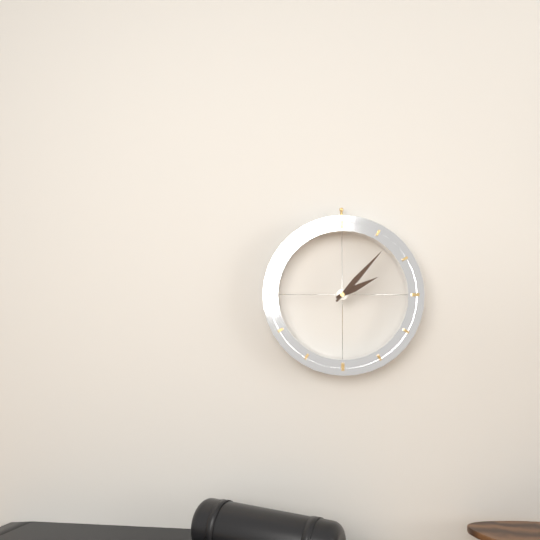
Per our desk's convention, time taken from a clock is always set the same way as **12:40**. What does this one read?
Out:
**2:07**
